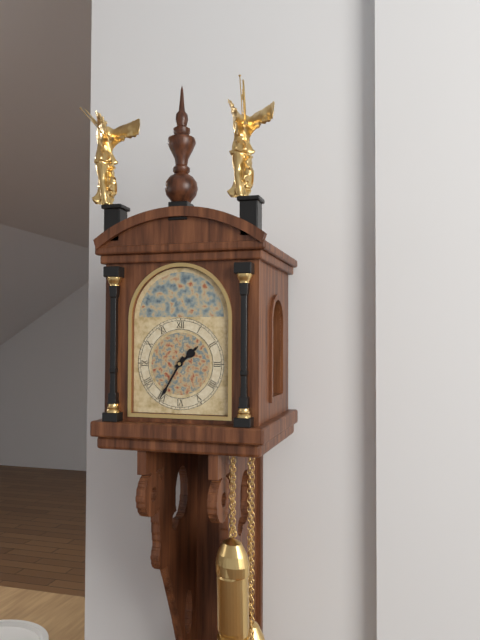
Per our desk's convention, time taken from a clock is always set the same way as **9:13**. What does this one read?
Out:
**1:35**
